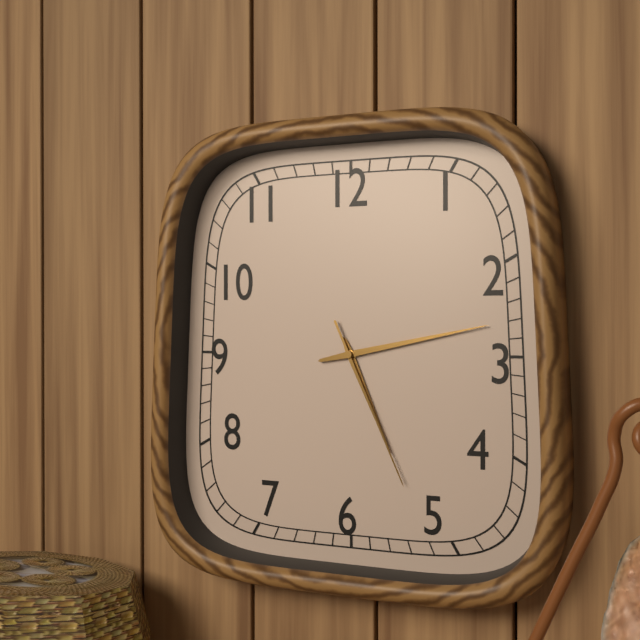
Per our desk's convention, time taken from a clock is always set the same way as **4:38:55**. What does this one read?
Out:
**5:13:26**
